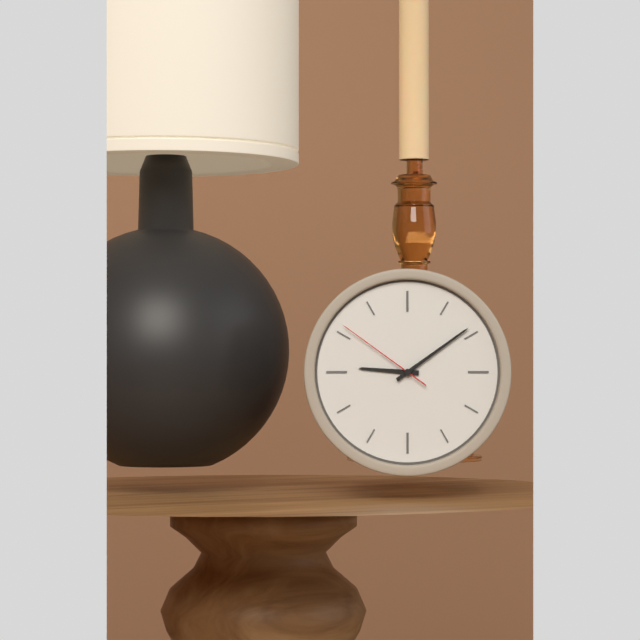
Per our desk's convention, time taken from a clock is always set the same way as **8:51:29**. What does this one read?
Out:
**9:09:51**
